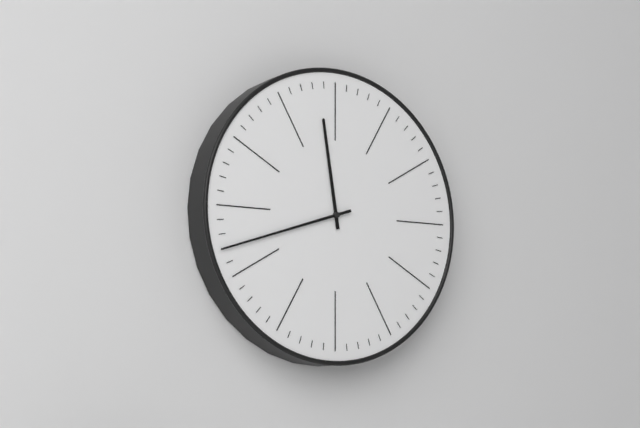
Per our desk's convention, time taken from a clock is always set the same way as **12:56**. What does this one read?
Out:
**11:42**
